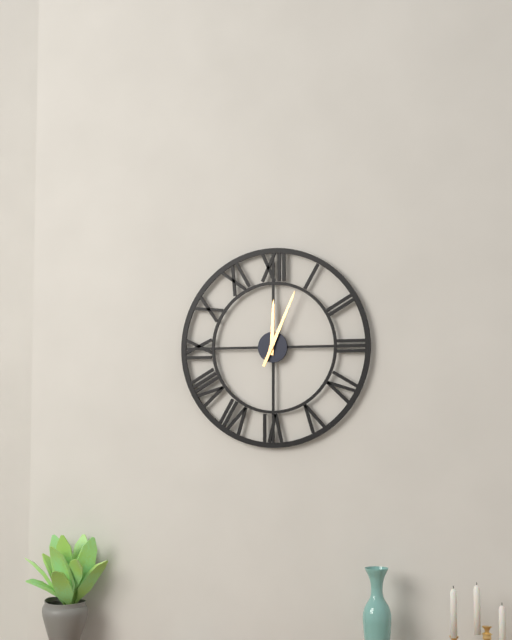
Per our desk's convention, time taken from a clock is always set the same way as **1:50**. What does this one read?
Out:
**12:04**
